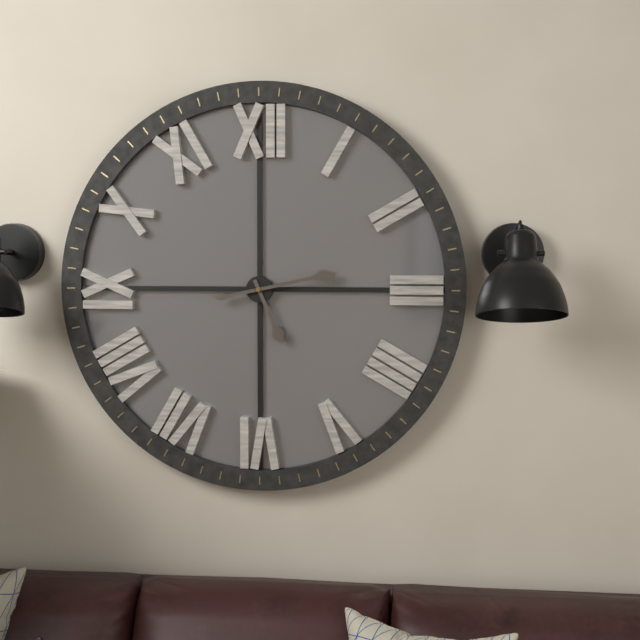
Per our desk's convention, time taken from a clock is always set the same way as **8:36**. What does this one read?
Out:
**5:13**
